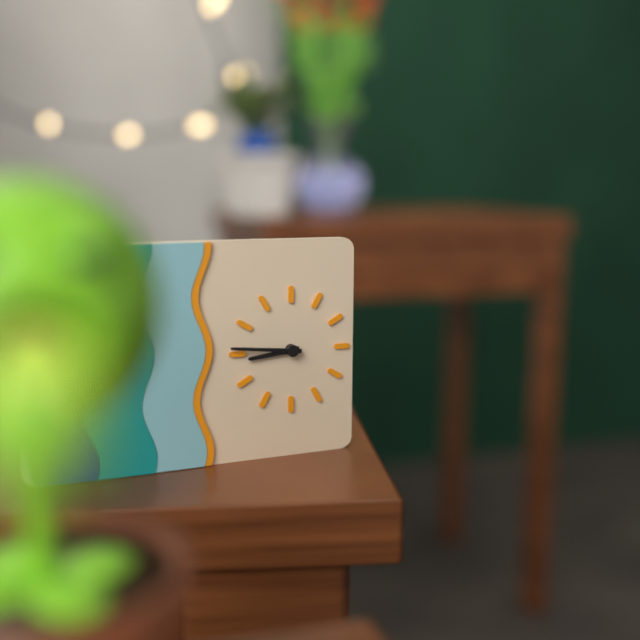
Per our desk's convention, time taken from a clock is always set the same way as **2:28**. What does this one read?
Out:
**8:46**
